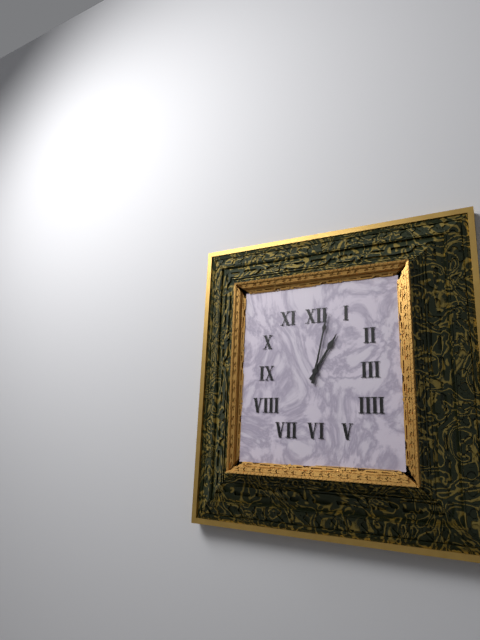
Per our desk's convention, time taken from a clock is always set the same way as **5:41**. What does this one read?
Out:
**1:02**
